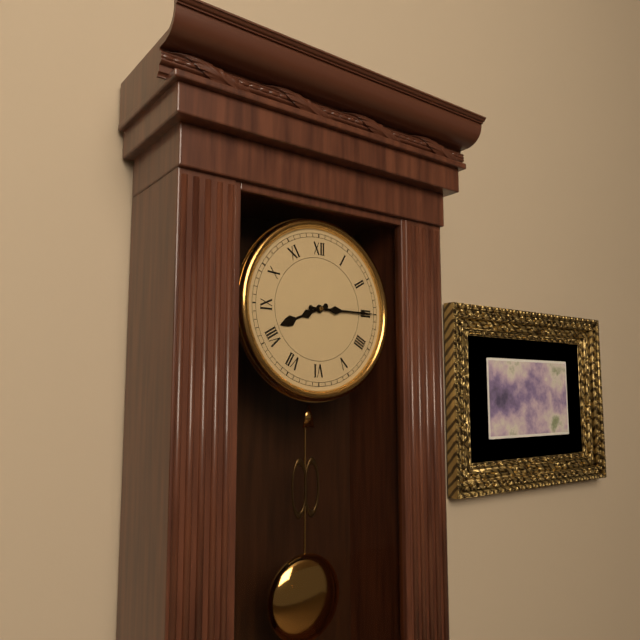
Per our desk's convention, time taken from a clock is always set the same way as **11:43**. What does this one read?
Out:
**8:15**
